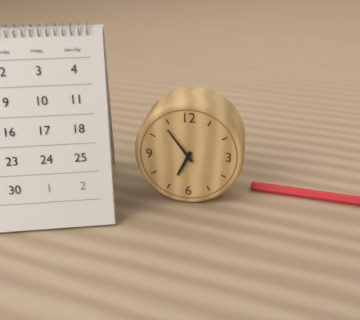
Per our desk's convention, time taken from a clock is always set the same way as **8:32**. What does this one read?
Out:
**6:54**
